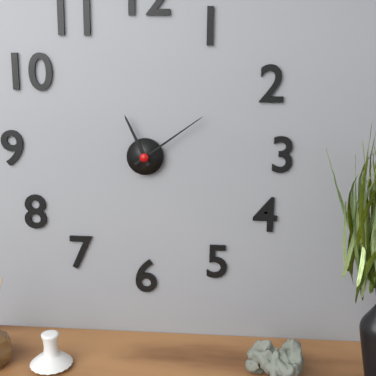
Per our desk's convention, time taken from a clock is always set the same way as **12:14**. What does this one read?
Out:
**11:09**
